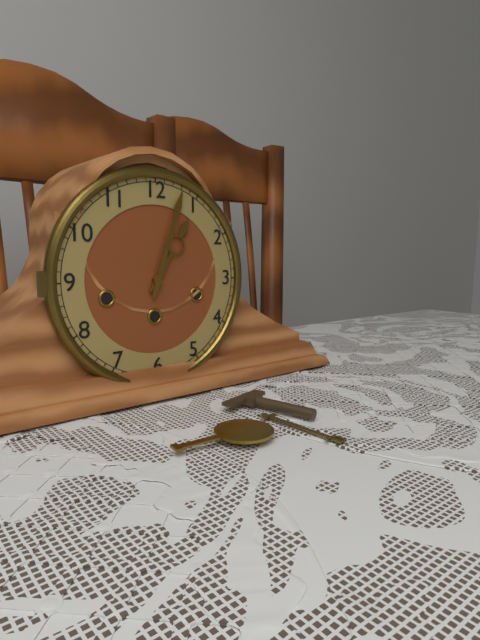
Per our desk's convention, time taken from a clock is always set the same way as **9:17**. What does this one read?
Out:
**1:03**
